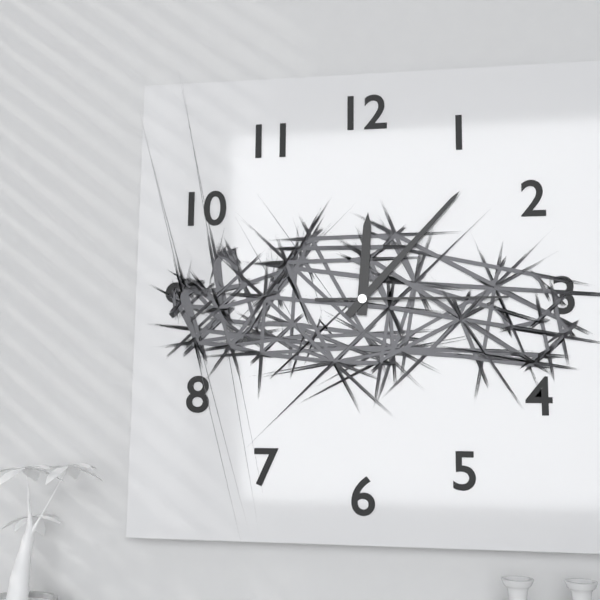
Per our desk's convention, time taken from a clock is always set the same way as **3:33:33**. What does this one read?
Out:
**12:07:15**
